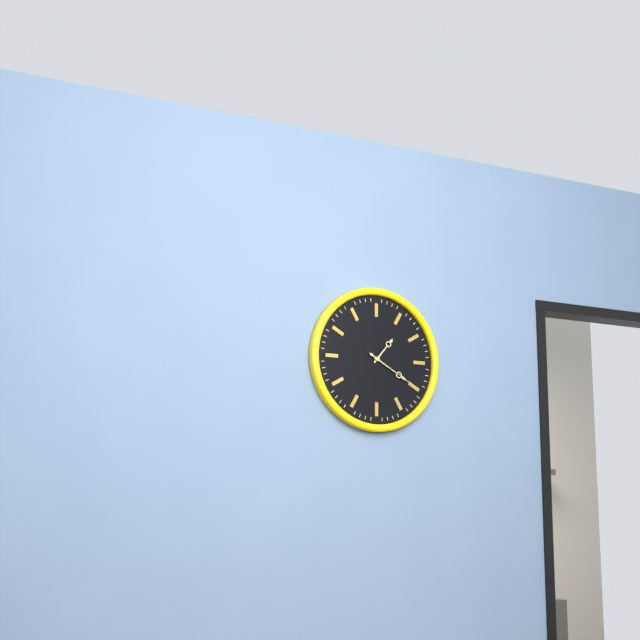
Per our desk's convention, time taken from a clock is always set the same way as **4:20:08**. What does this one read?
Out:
**1:20:20**
